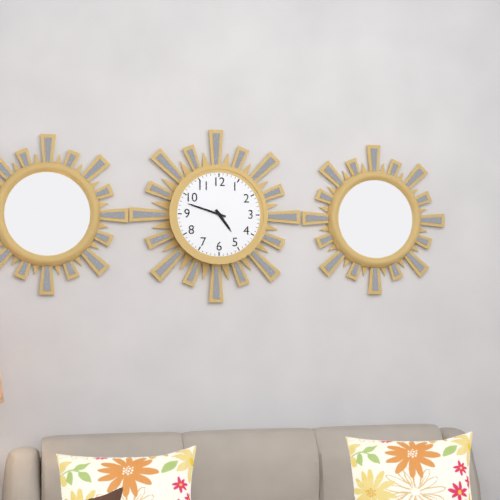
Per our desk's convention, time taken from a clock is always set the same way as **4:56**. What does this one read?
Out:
**4:48**
